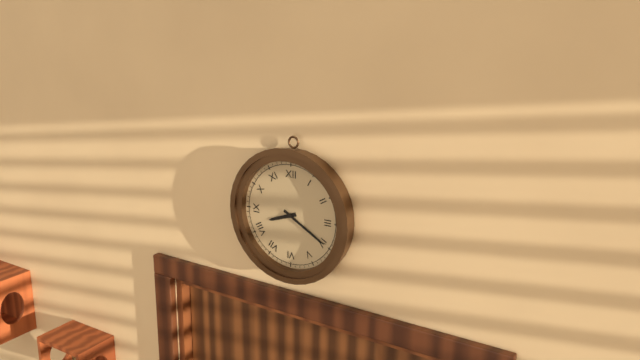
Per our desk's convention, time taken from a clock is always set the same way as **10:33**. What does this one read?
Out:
**8:20**
